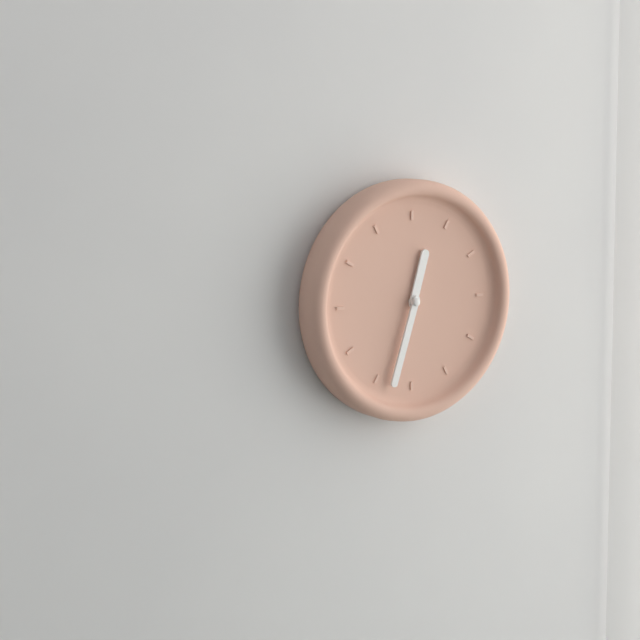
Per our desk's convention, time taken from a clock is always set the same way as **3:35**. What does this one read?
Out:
**12:33**
